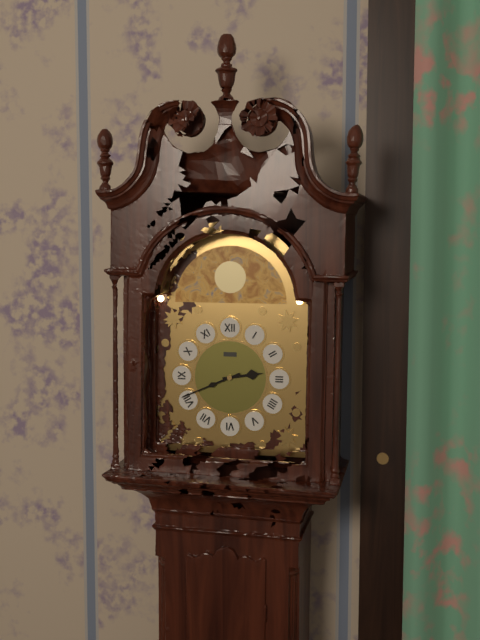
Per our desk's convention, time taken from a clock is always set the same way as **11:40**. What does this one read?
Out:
**2:41**
